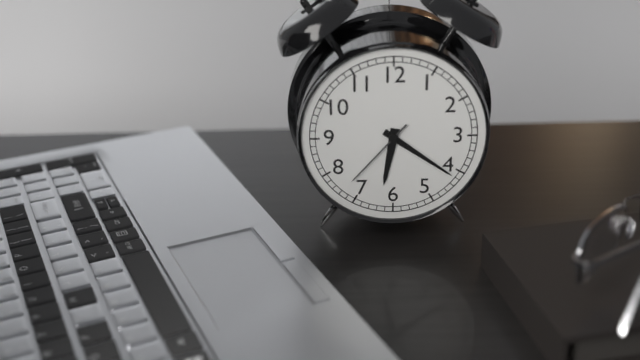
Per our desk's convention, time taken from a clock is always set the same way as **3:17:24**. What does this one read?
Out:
**6:21:37**
